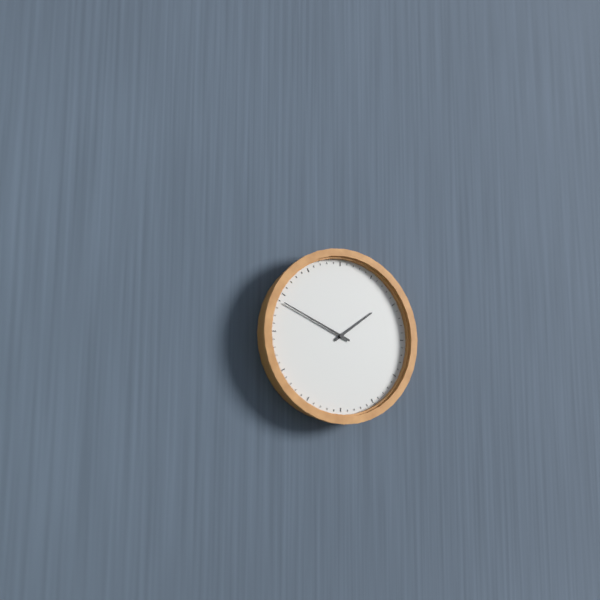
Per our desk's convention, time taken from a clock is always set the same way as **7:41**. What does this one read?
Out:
**1:49**
